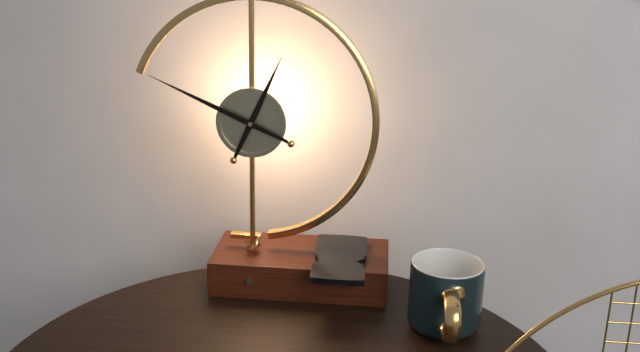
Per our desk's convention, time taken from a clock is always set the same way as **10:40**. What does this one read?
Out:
**12:49**
